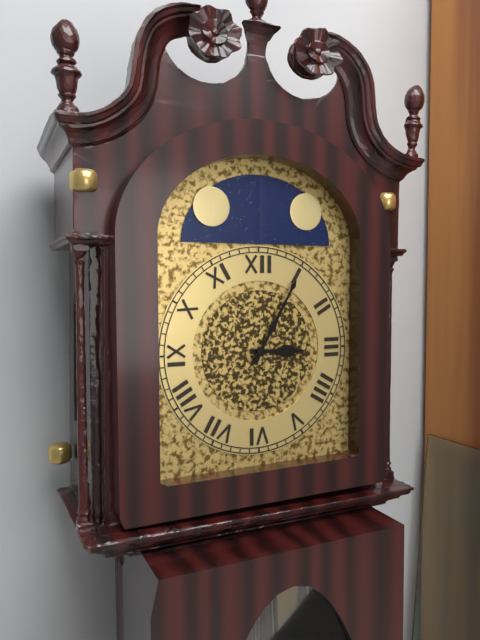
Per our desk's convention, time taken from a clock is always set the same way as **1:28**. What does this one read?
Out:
**3:05**
